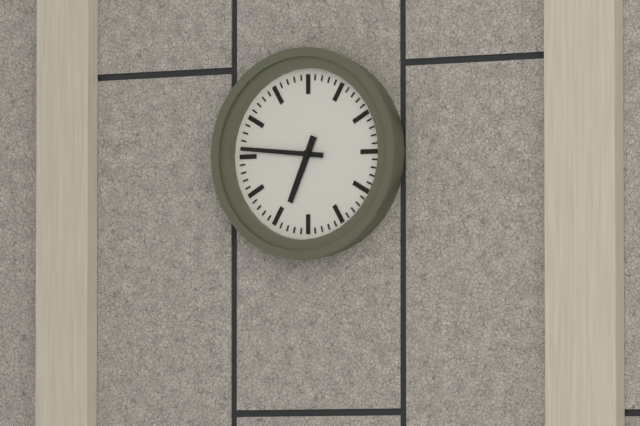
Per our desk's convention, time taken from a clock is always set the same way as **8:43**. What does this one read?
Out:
**6:46**
